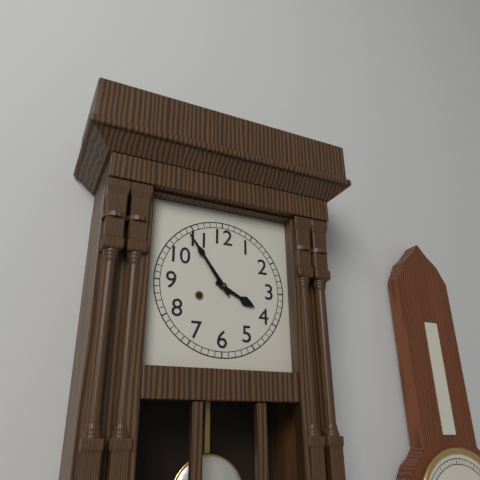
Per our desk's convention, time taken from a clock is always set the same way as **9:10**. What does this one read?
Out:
**3:54**
